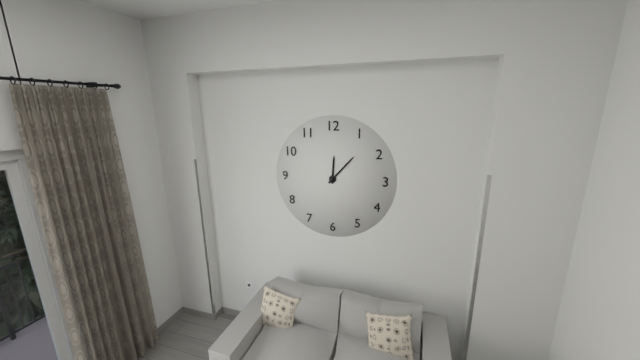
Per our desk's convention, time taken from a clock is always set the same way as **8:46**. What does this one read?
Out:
**12:07**
